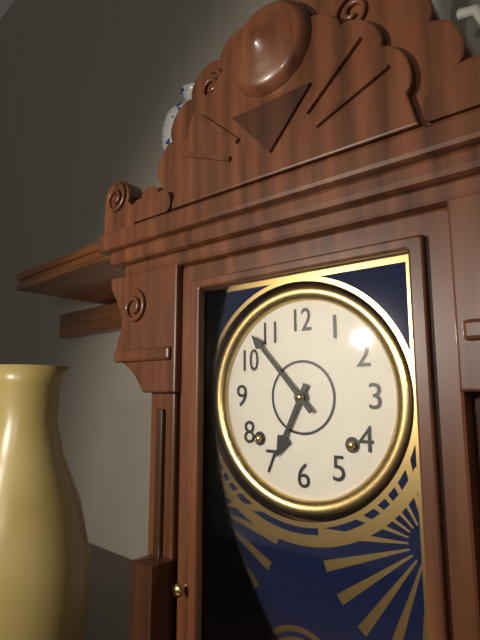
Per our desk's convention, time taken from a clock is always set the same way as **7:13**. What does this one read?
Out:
**6:53**
